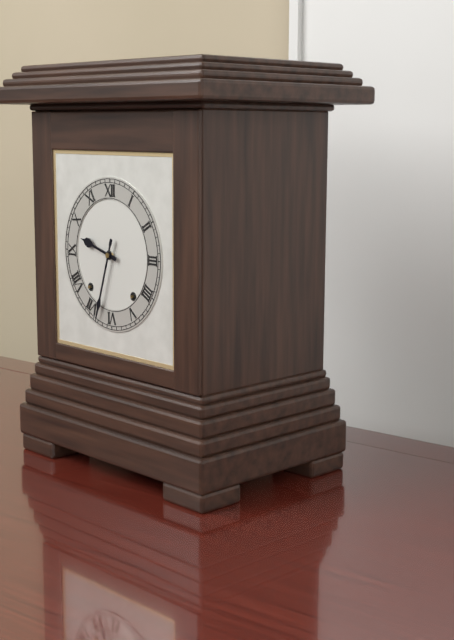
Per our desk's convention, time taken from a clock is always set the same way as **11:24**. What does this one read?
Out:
**9:33**
